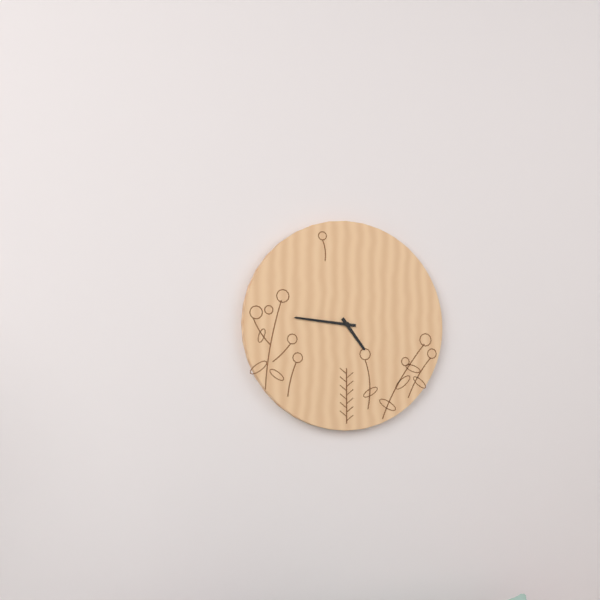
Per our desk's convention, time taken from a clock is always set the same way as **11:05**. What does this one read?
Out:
**4:46**
